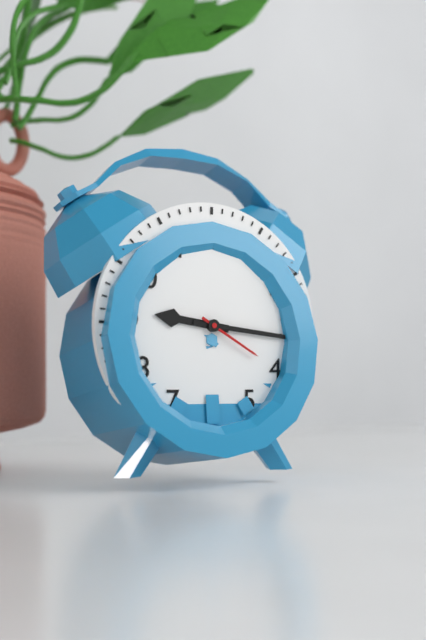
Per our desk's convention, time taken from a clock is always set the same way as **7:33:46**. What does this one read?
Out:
**9:16:20**
